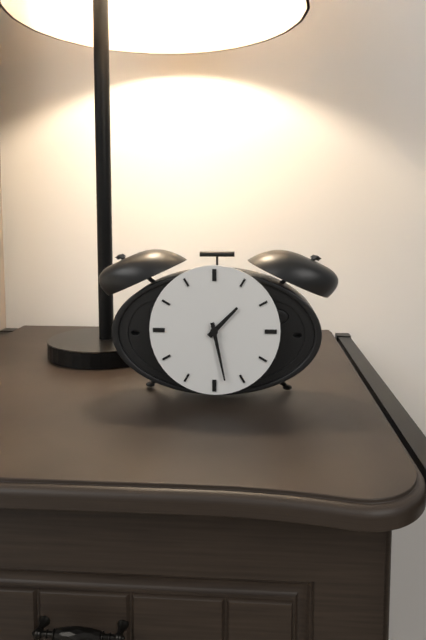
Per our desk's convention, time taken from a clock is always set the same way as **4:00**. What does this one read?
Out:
**1:28**
